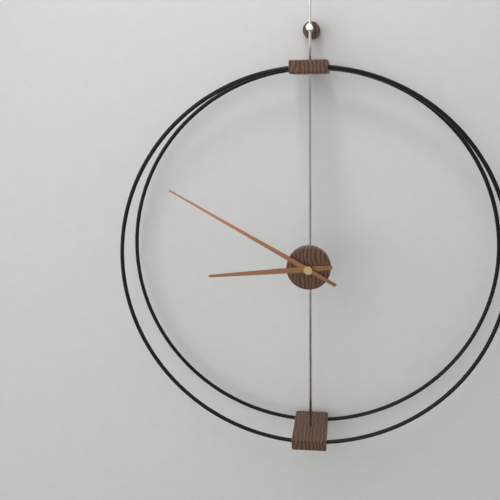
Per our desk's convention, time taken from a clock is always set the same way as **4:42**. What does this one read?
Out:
**8:50**
